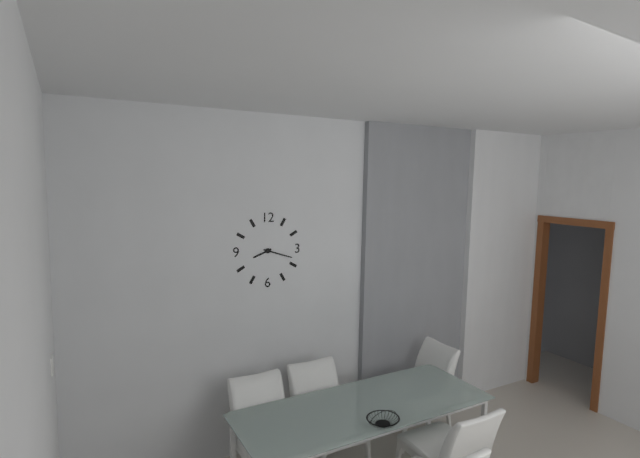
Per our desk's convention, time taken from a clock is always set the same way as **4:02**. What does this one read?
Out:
**8:18**
